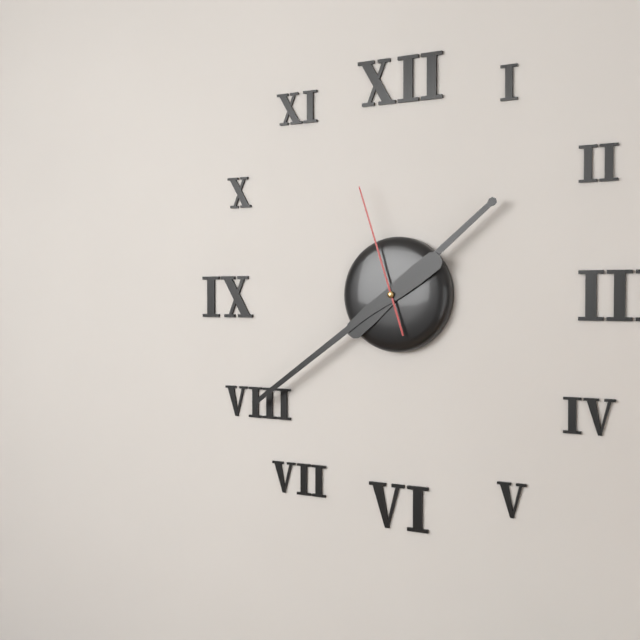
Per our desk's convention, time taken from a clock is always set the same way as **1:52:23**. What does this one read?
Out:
**1:39:57**
